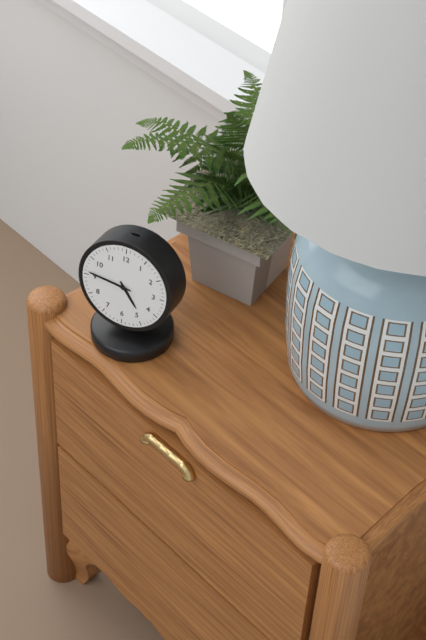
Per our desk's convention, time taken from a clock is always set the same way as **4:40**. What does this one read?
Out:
**4:46**
